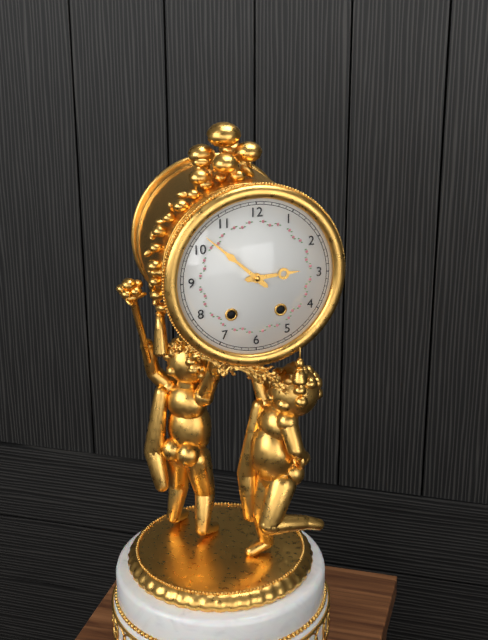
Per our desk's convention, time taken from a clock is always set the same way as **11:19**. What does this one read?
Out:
**2:52**
